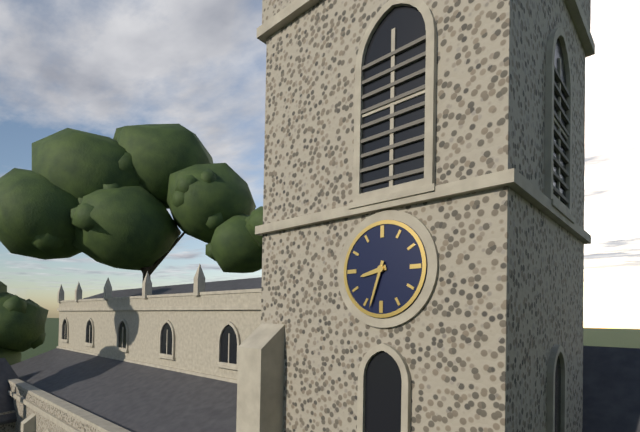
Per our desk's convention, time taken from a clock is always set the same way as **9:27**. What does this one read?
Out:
**8:33**
